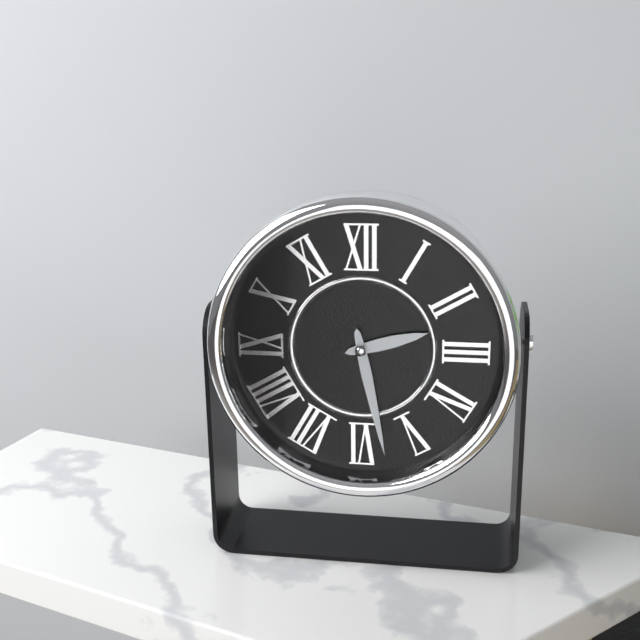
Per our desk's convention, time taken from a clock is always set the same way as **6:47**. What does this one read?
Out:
**2:28**
